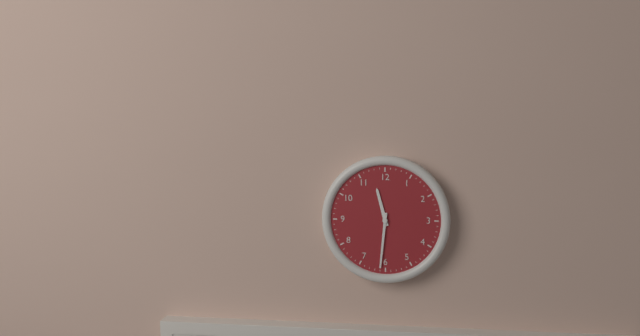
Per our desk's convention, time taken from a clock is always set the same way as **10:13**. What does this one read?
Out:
**11:31**
